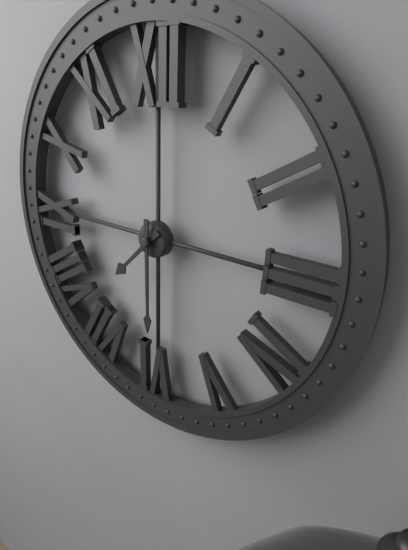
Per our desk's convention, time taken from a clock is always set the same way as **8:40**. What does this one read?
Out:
**7:30**
